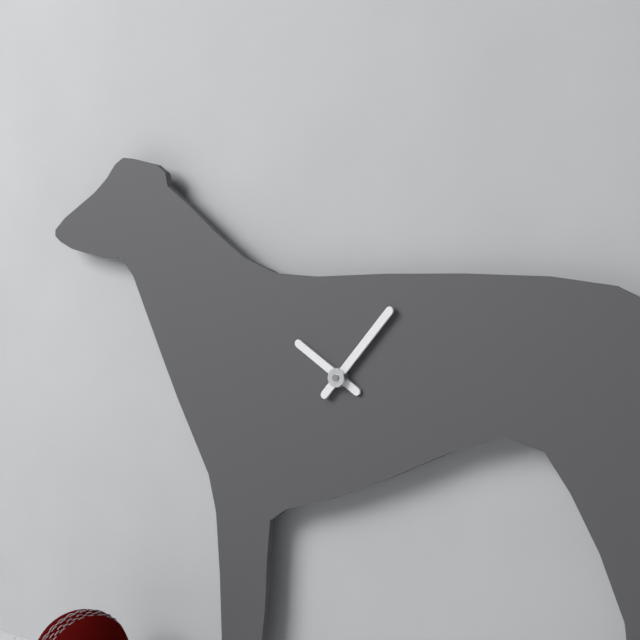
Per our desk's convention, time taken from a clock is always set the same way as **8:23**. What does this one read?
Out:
**10:07**
